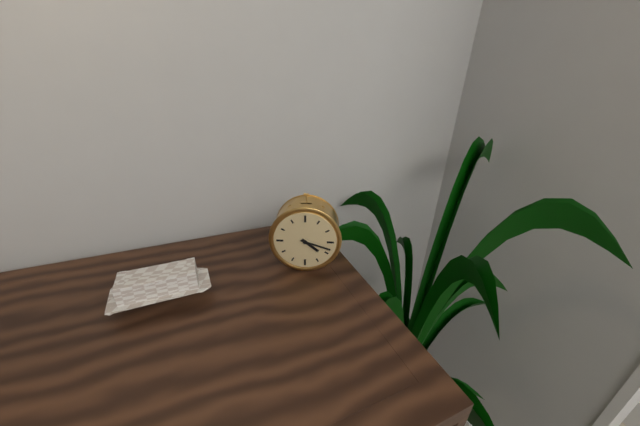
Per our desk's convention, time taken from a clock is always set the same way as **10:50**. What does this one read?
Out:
**4:18**
